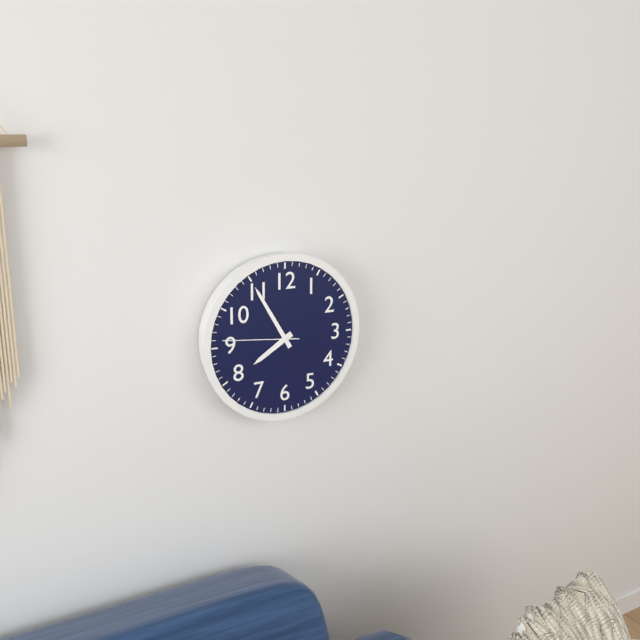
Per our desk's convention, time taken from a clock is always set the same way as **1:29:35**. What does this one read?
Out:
**7:55:46**
